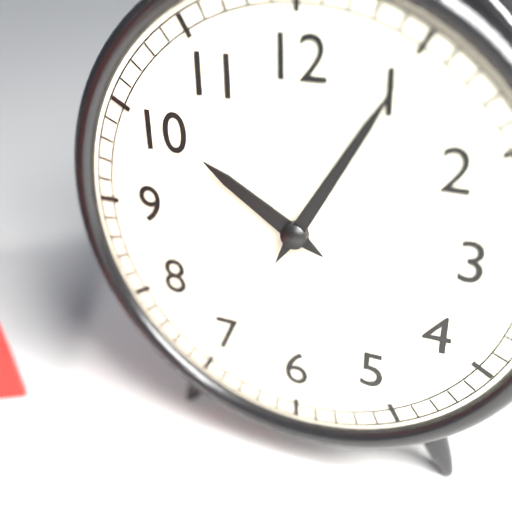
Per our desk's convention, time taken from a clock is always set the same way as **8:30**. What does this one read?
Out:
**10:05**
